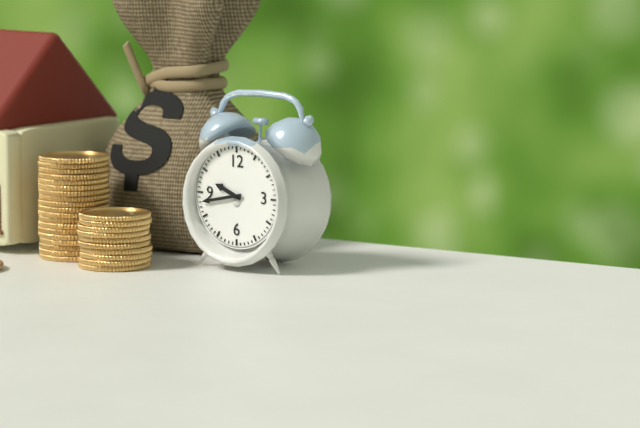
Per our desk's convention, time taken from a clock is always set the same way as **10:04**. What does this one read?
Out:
**9:43**
